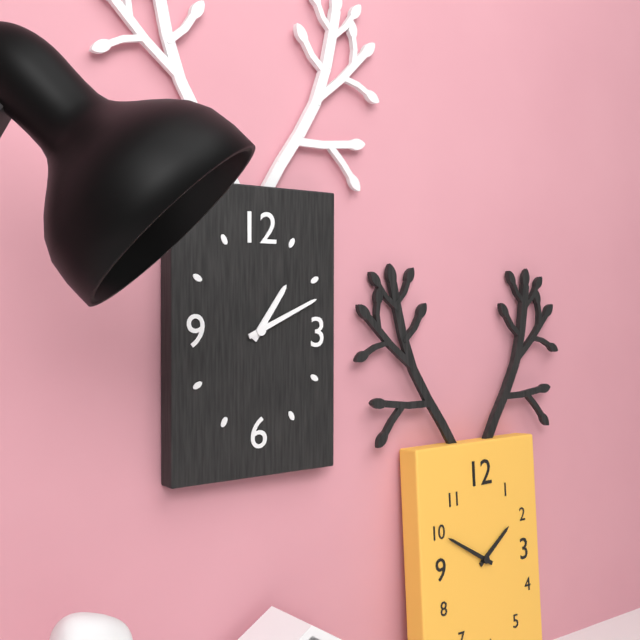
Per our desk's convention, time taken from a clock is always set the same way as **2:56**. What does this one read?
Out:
**1:11**
